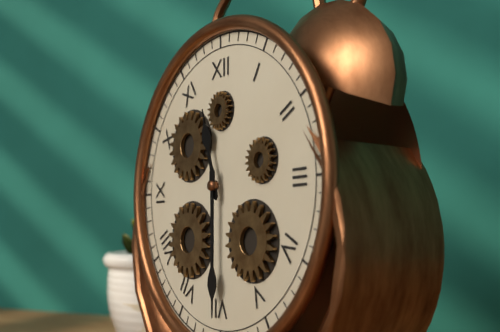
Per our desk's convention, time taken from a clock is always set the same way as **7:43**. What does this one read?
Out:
**11:30**
